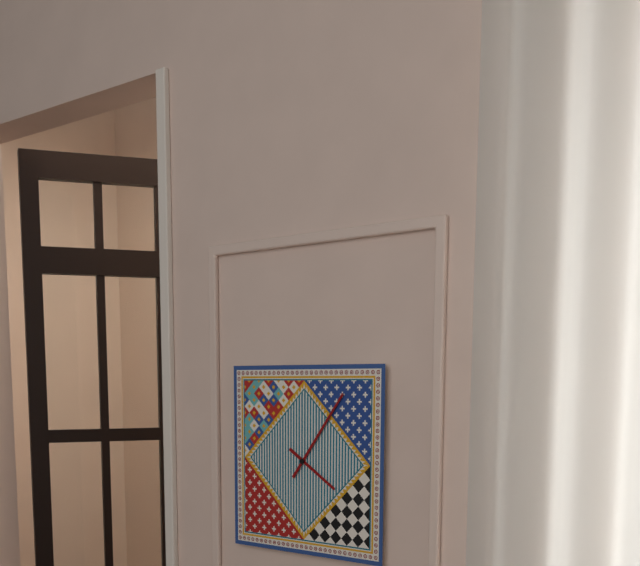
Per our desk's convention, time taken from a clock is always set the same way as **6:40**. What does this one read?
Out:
**4:06**
